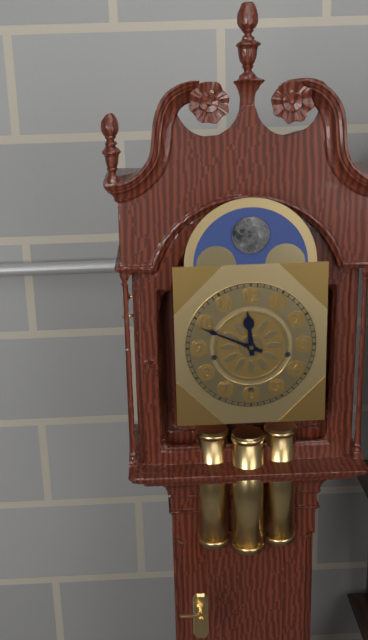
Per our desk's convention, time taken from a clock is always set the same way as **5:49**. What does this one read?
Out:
**11:49**
